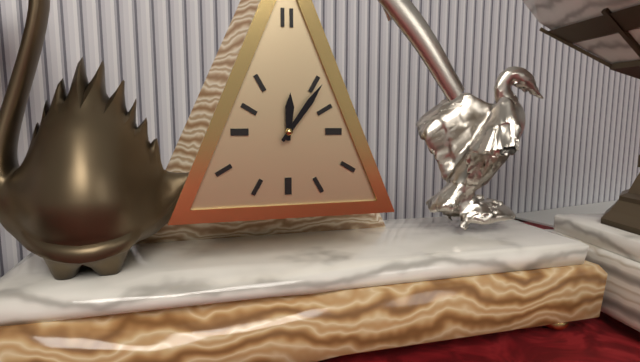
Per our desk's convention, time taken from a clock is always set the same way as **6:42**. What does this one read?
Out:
**12:06**
